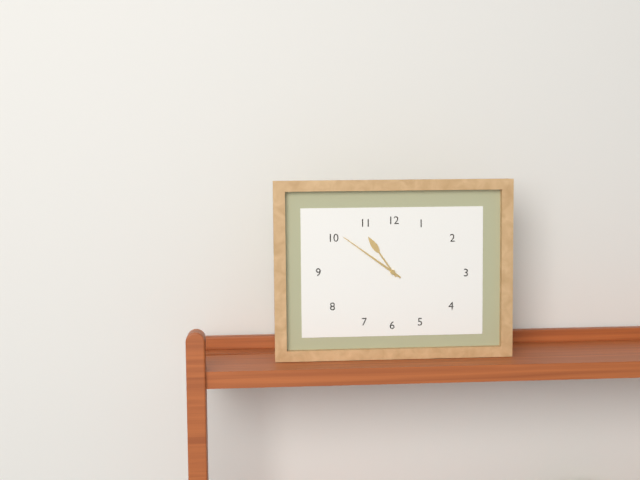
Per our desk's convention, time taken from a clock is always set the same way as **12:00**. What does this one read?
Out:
**10:51**
